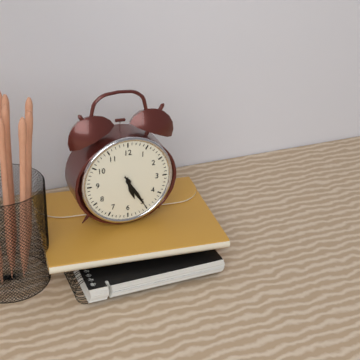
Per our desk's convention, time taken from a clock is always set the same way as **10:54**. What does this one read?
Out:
**5:25**
